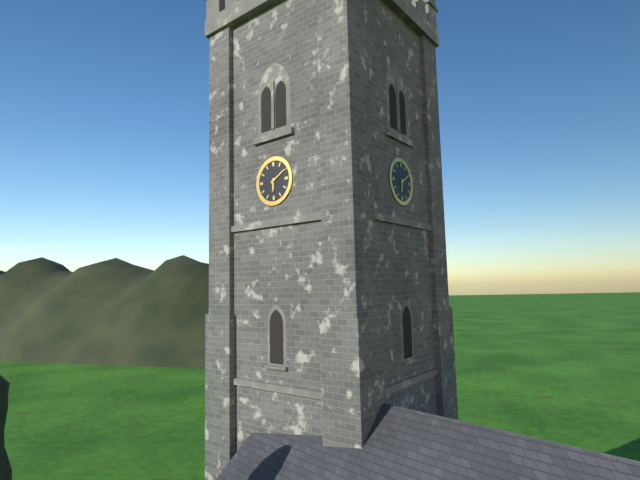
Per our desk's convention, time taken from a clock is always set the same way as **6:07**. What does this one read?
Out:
**6:10**
